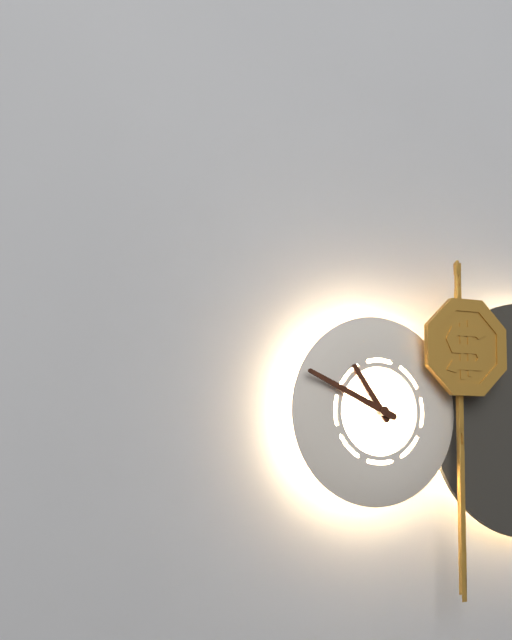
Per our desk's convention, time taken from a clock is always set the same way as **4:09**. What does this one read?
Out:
**10:49**
